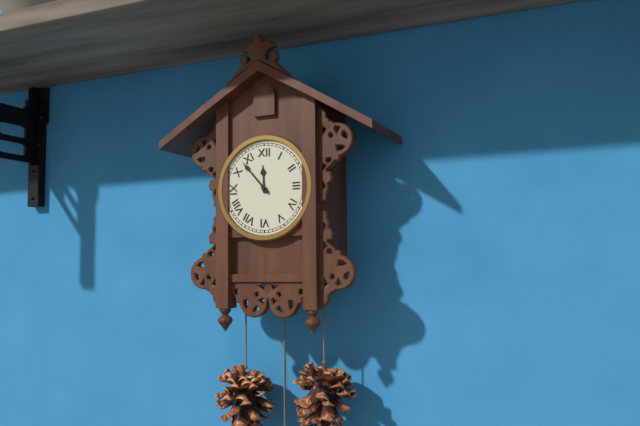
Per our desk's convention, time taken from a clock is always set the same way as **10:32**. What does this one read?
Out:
**11:53**
